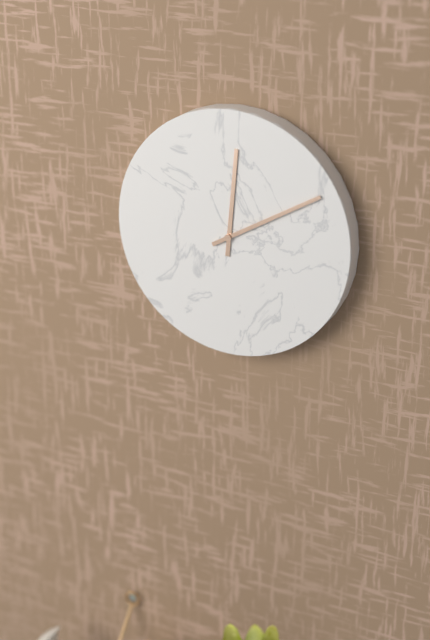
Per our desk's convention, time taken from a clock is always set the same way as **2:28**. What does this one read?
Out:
**12:10**
